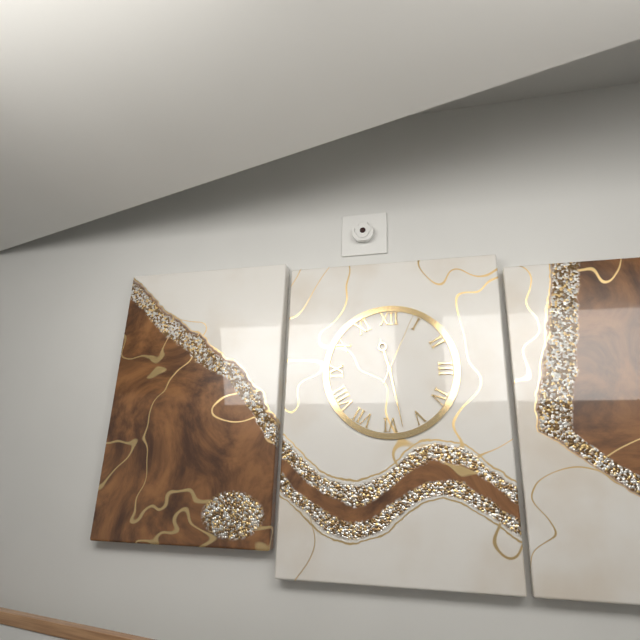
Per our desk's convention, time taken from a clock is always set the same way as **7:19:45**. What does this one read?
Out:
**11:28:04**
